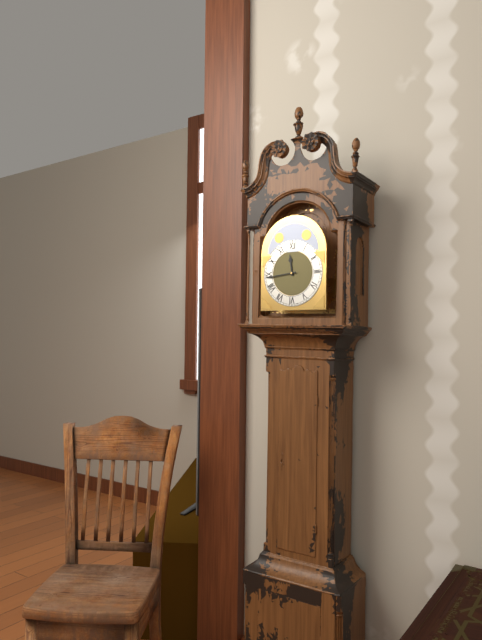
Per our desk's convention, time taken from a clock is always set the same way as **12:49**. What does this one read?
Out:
**11:44**
